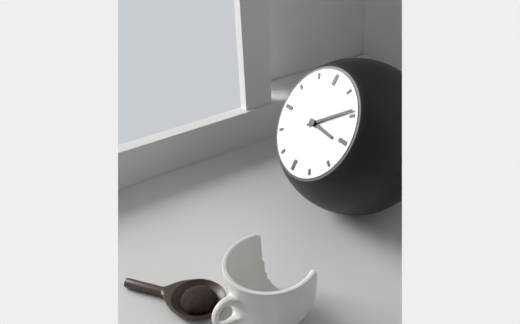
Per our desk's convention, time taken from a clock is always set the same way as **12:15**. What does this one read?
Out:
**3:09**
